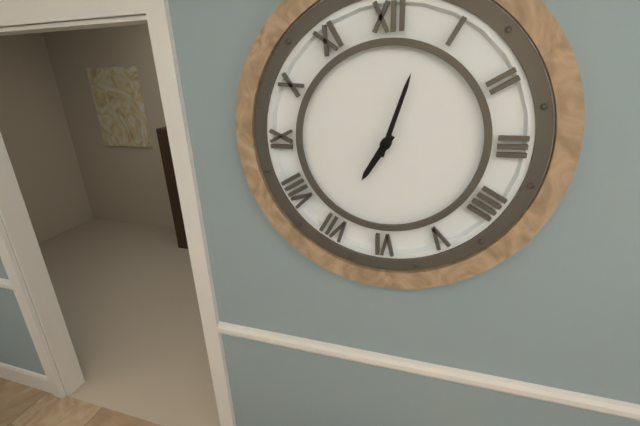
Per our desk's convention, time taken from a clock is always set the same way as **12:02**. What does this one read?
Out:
**7:03**
